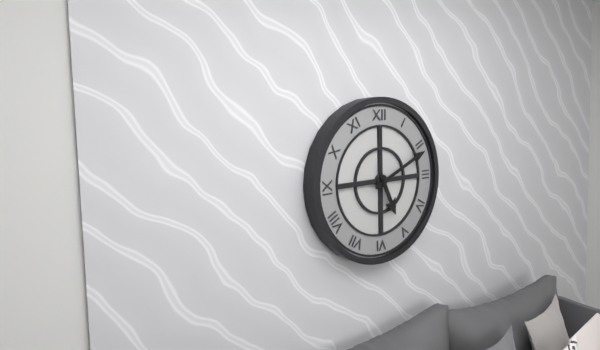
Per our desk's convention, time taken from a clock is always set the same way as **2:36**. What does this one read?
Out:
**5:11**
